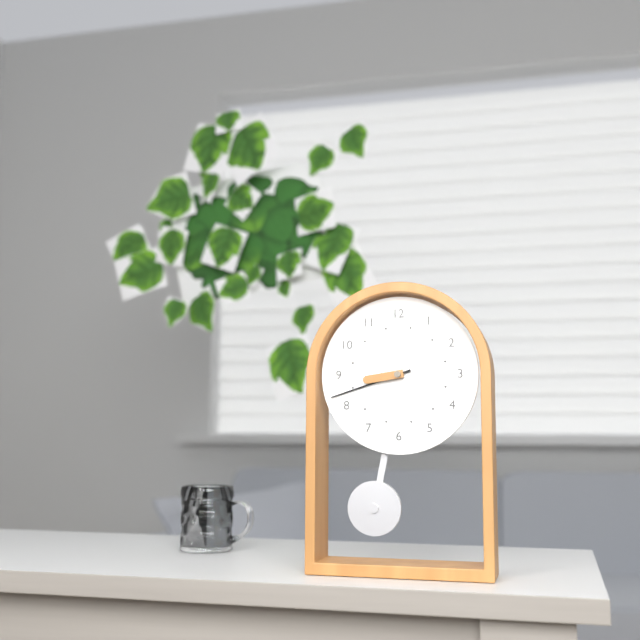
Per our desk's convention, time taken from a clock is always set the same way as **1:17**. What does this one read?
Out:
**8:42**
